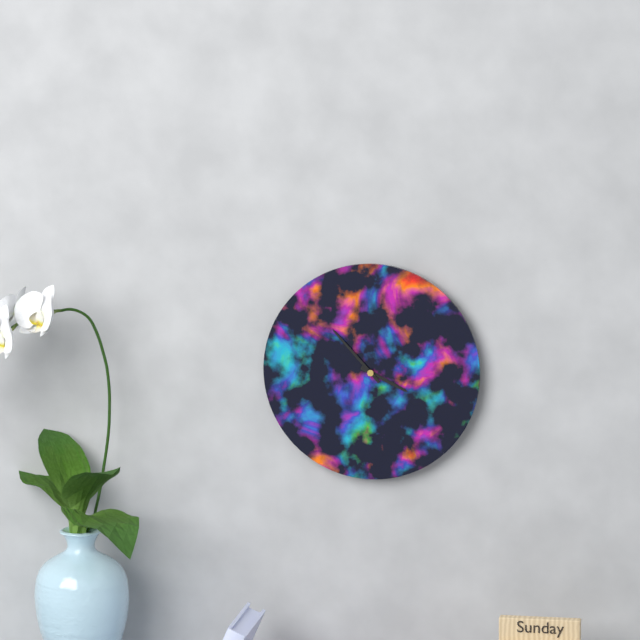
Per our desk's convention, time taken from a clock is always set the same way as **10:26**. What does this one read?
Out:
**3:53**
